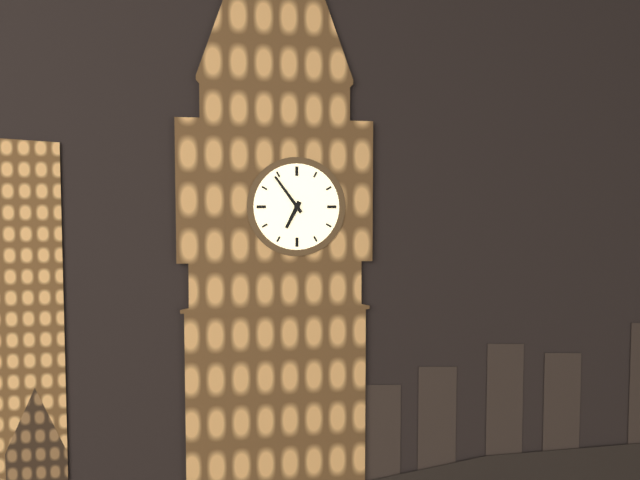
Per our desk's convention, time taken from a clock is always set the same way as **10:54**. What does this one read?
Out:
**6:54**
